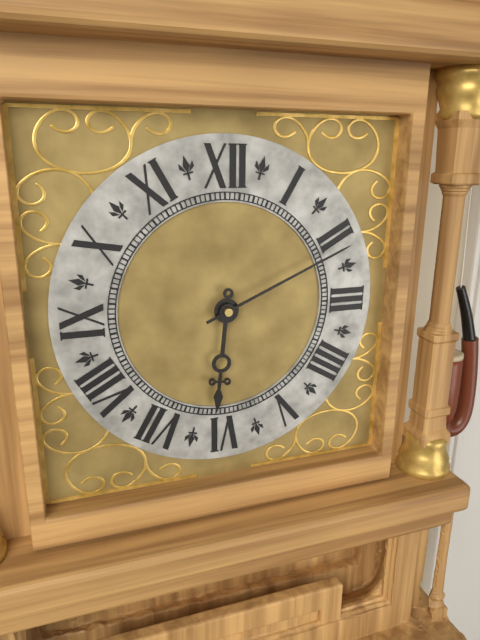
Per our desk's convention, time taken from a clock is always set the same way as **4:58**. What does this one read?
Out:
**6:11**
